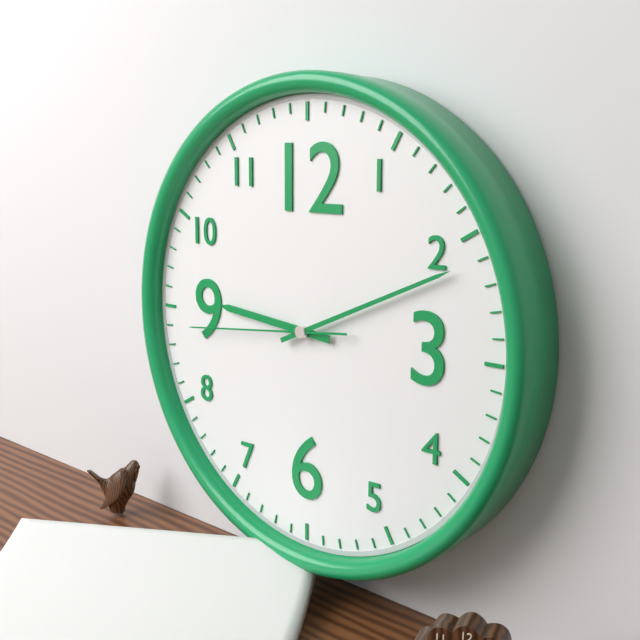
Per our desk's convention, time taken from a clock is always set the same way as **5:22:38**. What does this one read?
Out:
**9:11:44**
